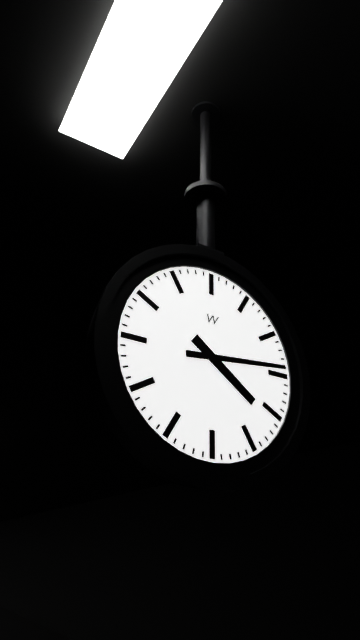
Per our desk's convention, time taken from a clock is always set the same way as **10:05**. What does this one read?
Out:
**4:14**
